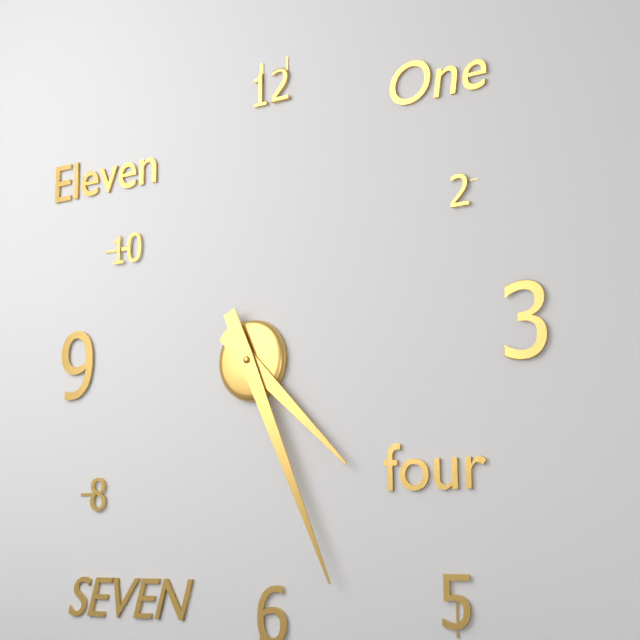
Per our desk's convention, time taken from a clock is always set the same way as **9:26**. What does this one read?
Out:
**4:26**
